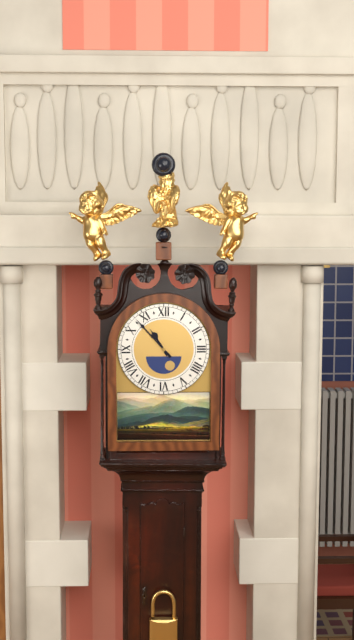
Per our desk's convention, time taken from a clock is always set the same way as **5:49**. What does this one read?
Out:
**10:53**
